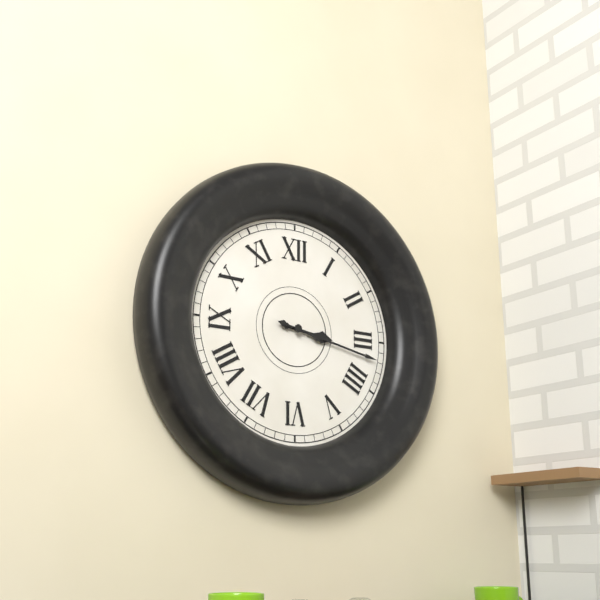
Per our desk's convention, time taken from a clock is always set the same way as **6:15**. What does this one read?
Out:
**3:17**
